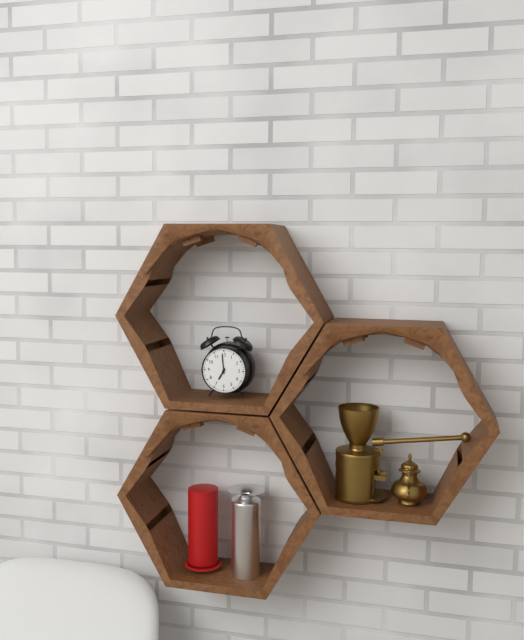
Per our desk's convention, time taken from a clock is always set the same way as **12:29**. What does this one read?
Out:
**6:59**
